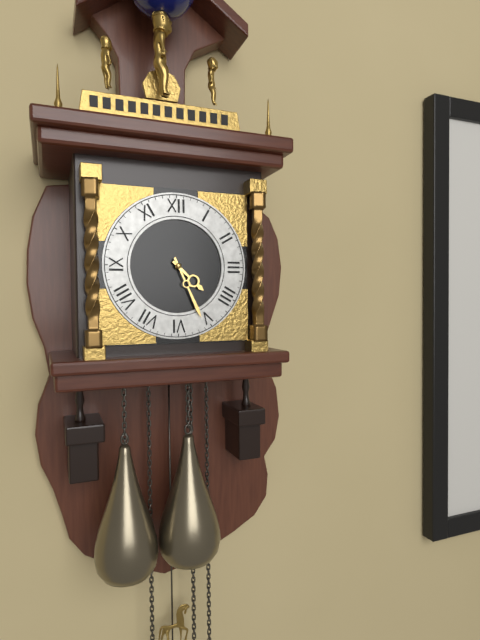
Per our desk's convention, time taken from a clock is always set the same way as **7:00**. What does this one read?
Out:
**4:26**
